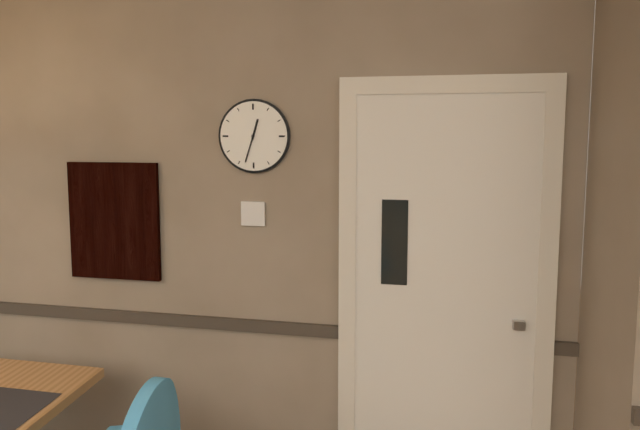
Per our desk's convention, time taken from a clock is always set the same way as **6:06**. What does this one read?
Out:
**12:33**
